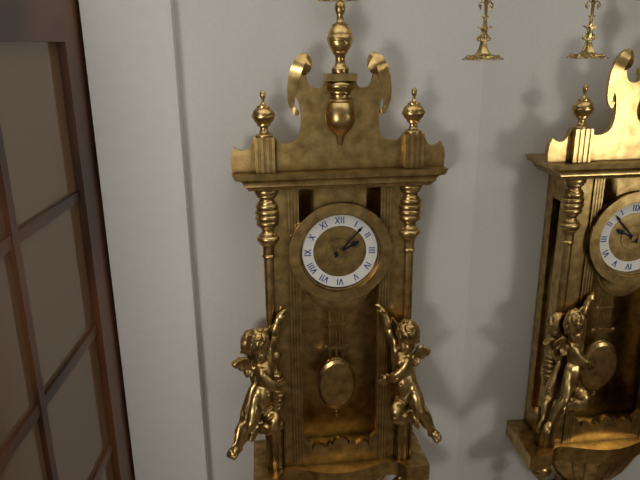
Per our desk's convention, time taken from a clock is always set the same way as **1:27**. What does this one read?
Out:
**2:07**
